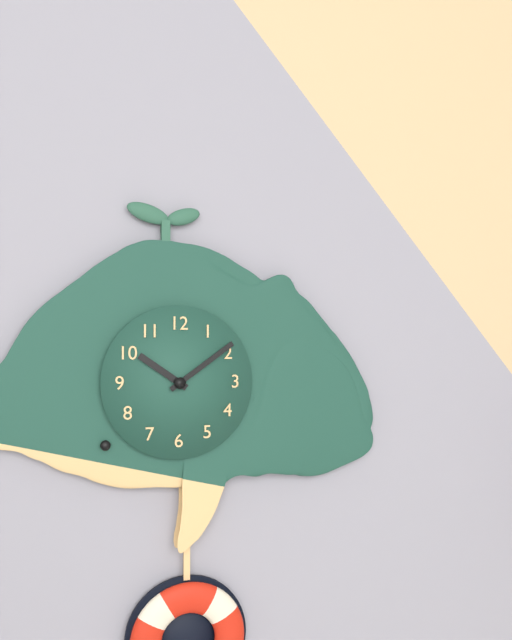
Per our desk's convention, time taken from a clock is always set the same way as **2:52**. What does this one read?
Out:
**10:09**
